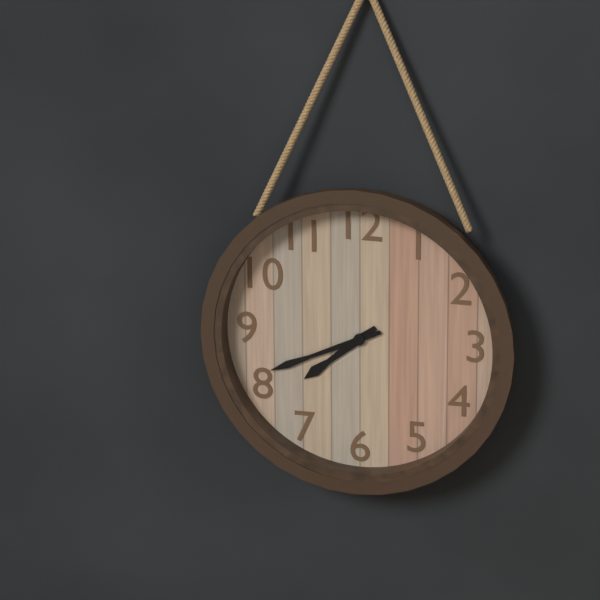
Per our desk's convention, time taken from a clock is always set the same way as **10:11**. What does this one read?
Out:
**7:41**
